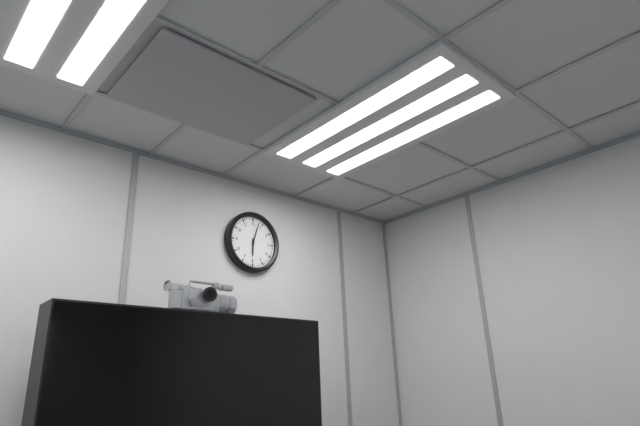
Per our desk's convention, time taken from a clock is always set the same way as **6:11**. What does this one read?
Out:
**6:03**
